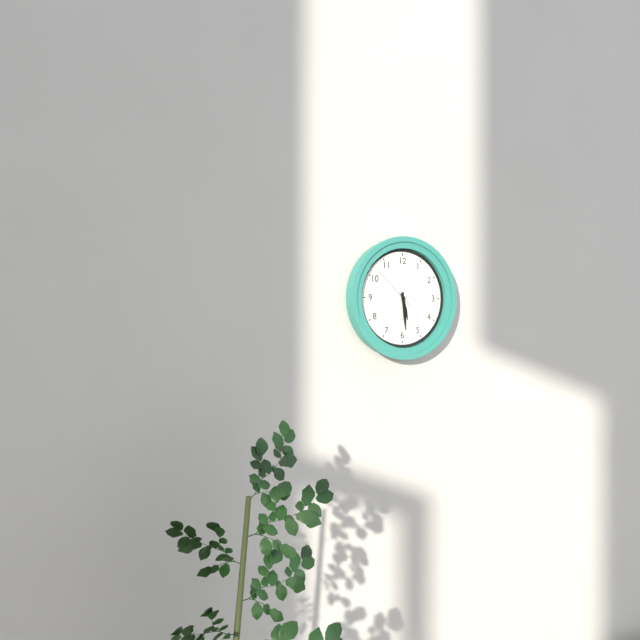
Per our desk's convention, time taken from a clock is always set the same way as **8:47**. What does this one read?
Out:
**5:29**
